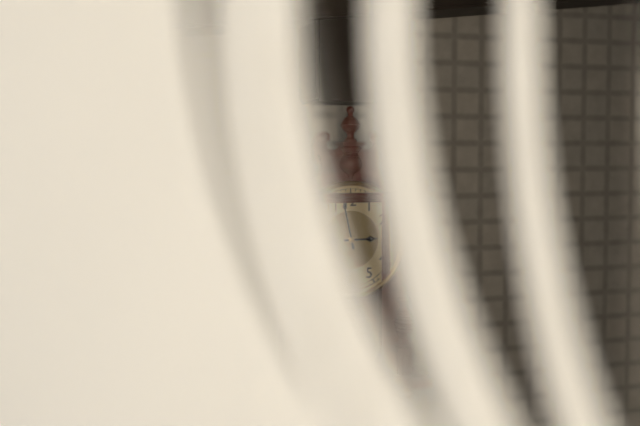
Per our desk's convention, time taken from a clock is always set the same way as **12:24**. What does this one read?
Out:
**2:58**
